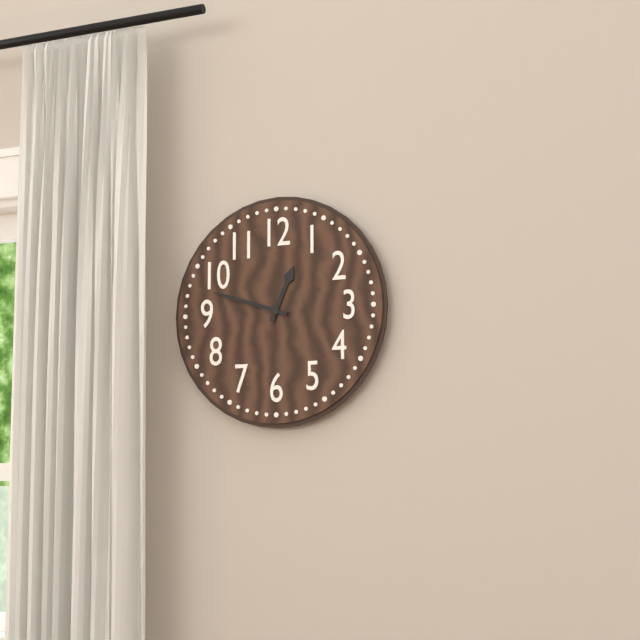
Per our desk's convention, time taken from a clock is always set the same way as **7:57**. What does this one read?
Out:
**12:48**
